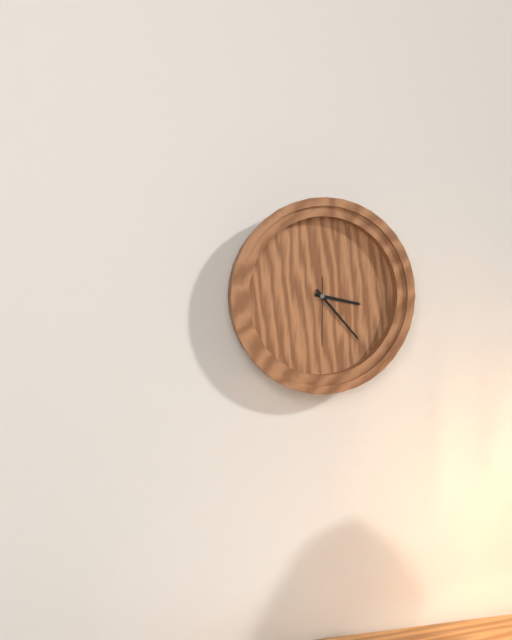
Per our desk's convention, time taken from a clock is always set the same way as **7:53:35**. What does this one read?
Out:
**3:23:30**
